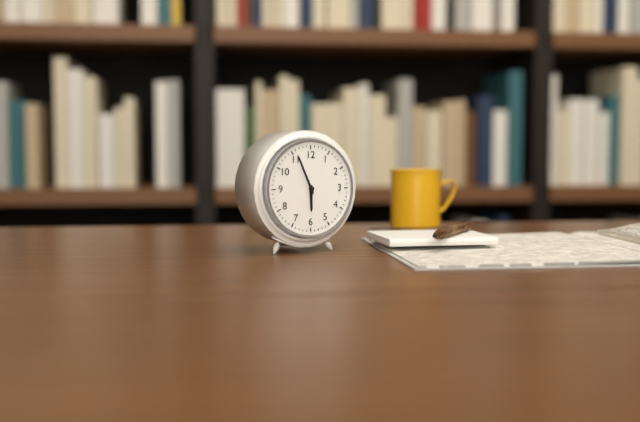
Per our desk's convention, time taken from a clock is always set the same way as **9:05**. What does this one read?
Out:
**5:56**
